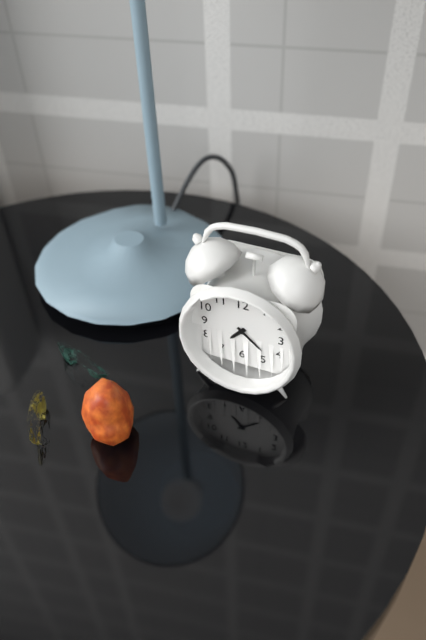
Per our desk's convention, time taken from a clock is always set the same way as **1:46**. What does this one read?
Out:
**7:22**
